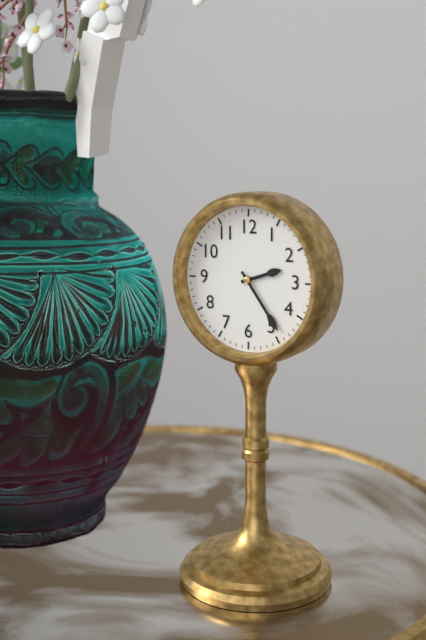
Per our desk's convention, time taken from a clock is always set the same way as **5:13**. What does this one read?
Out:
**2:24**
